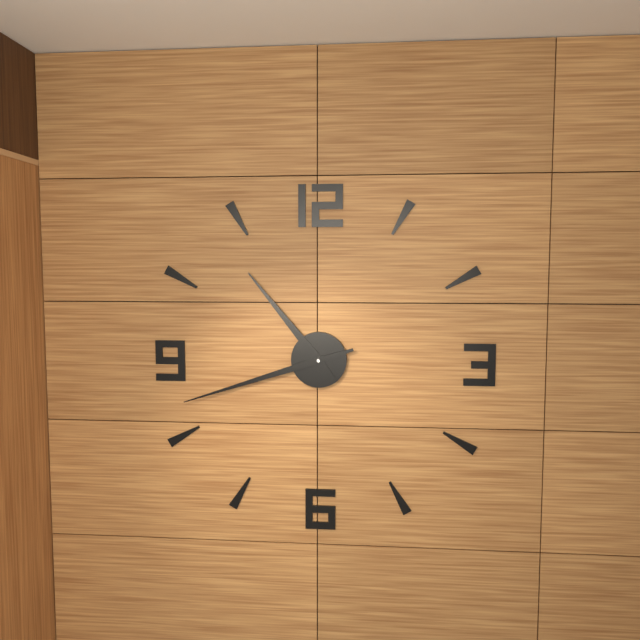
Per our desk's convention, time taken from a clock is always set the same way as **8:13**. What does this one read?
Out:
**10:42**
